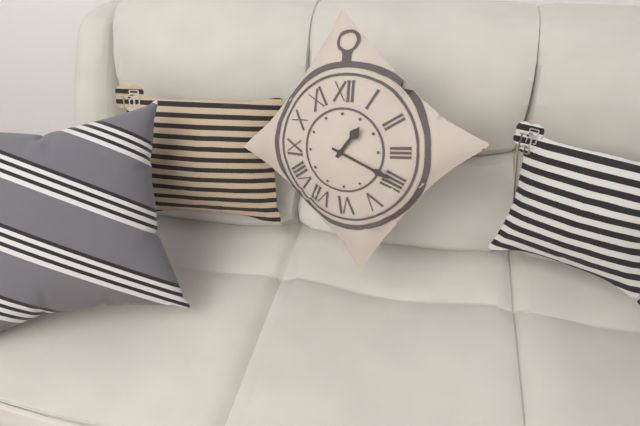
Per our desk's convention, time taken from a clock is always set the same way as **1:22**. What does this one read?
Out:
**1:19**
